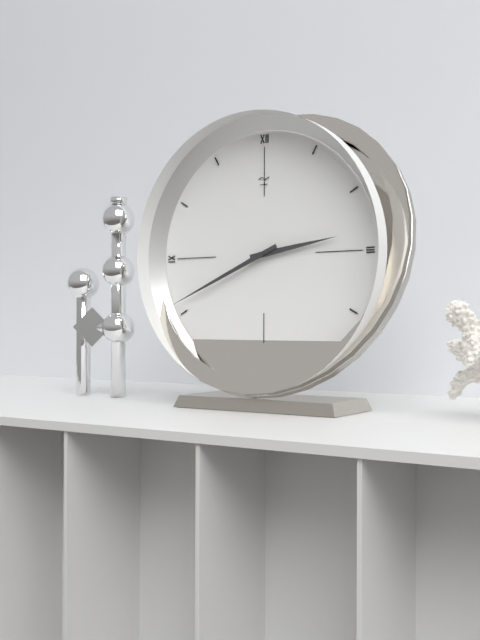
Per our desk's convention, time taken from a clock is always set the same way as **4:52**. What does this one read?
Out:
**2:41**
